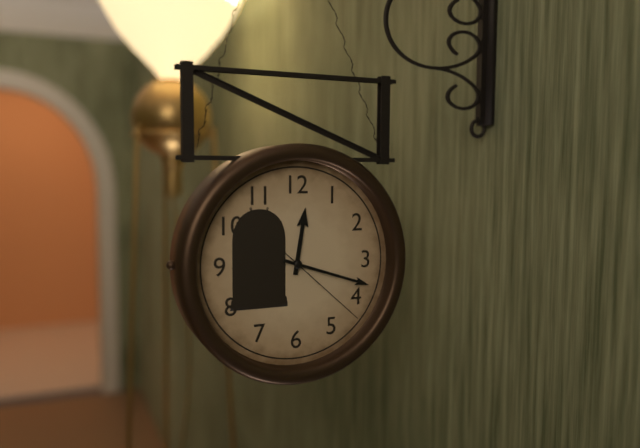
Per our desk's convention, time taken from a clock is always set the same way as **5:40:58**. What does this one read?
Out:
**12:18:22**
